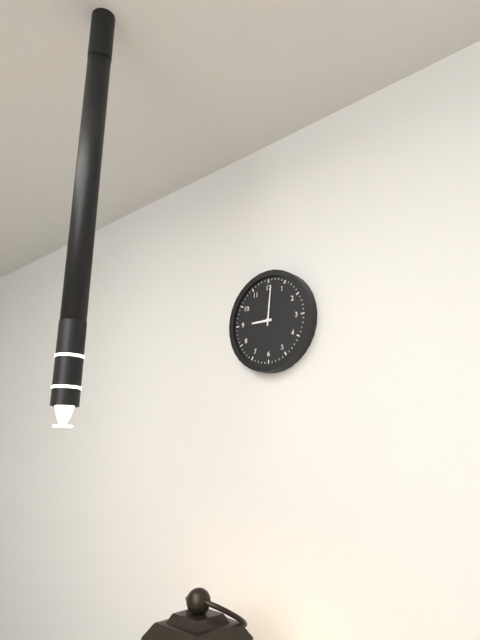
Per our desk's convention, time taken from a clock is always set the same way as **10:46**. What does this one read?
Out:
**9:01**
